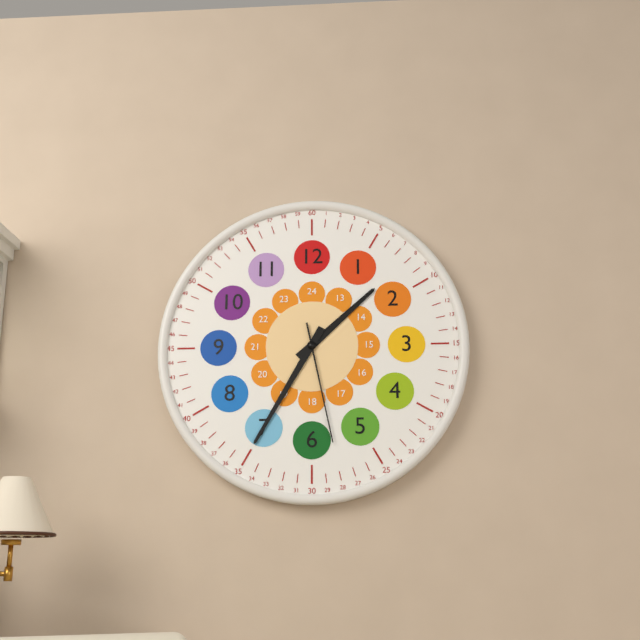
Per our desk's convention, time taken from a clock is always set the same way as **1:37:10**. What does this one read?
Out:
**1:35:28**
